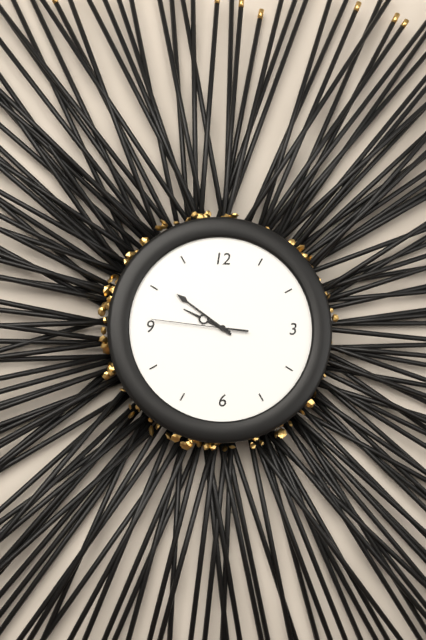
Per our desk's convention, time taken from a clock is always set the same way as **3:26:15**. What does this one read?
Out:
**9:51:46**
